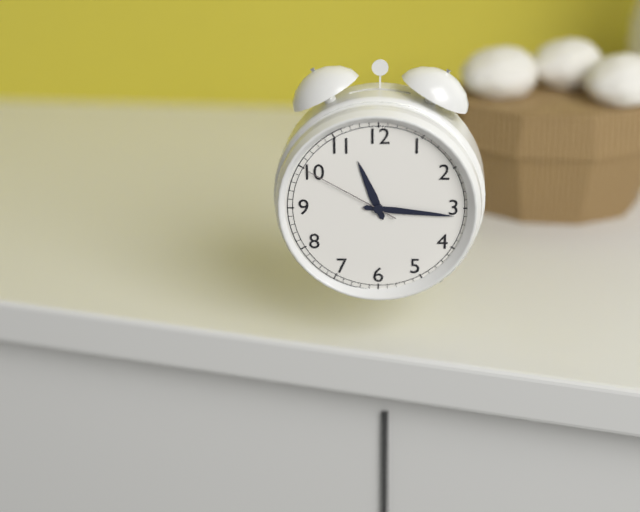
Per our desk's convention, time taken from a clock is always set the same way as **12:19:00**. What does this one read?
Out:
**11:16:50**
